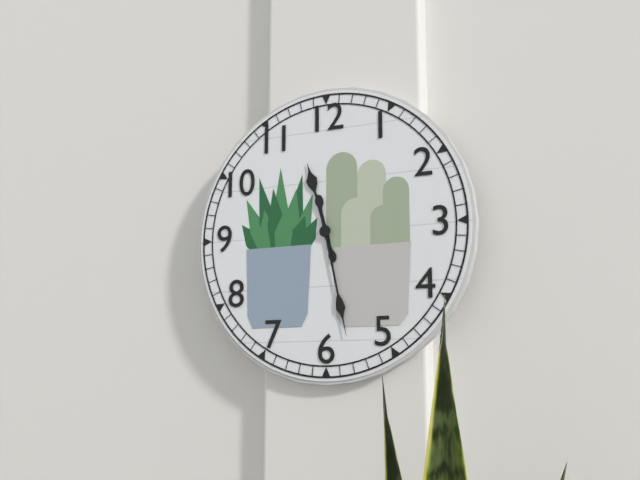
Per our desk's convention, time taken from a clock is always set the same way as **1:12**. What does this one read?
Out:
**11:28**
